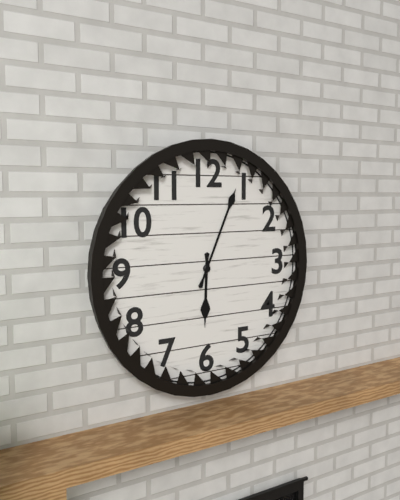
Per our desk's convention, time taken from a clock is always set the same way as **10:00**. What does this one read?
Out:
**6:04**
